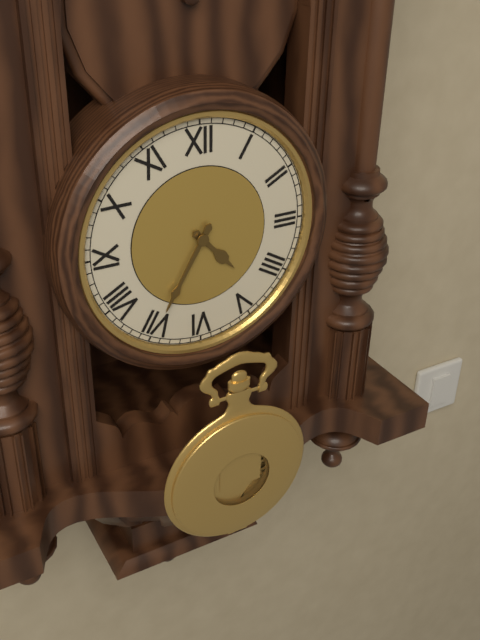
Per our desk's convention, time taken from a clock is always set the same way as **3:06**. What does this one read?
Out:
**4:35**
